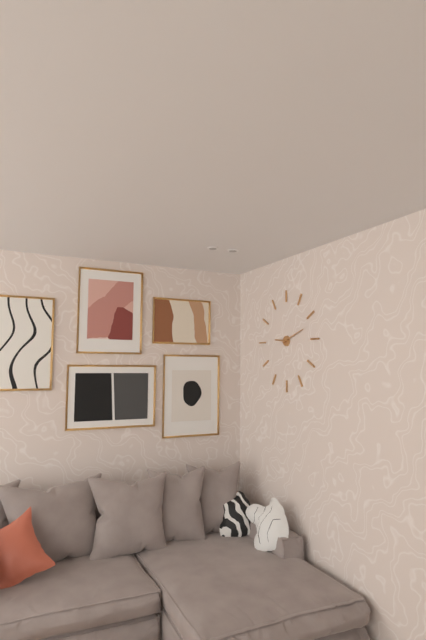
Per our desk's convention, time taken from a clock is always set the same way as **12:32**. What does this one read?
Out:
**9:12**
